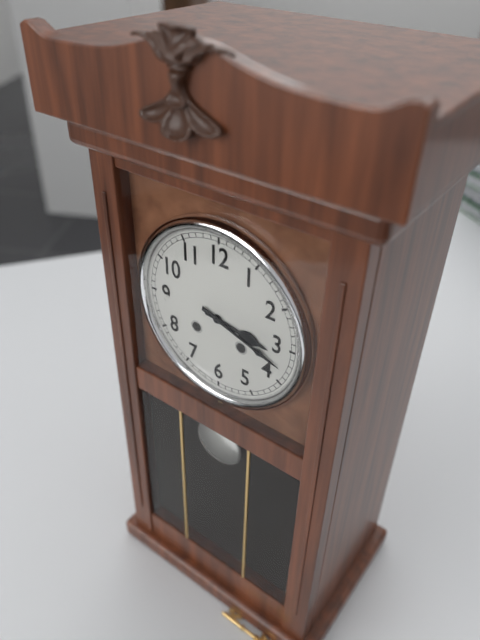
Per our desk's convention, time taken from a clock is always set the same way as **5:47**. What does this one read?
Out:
**3:18**
